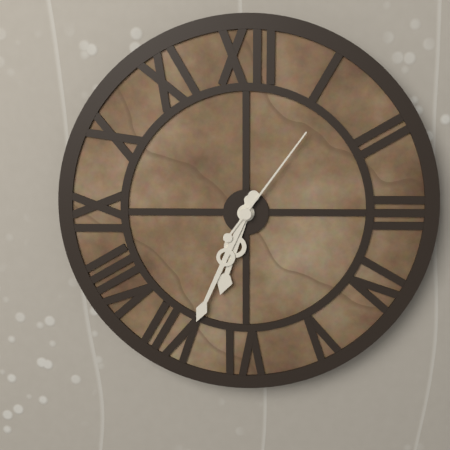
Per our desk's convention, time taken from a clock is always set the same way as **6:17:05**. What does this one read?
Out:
**6:34:06**
